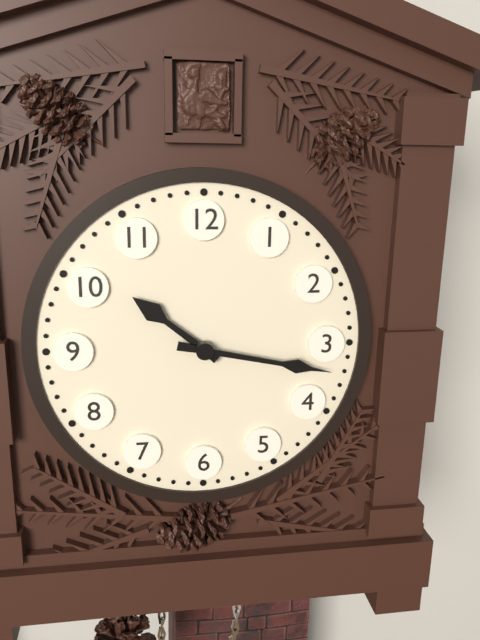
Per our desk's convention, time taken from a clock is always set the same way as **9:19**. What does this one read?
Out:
**10:17**
